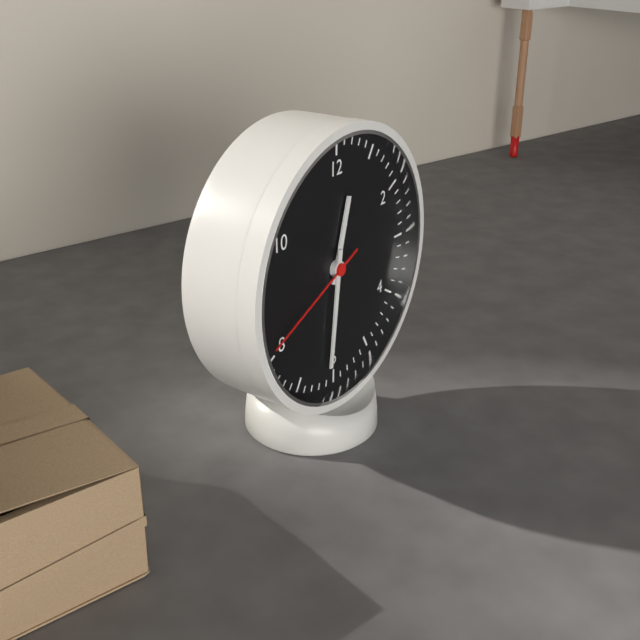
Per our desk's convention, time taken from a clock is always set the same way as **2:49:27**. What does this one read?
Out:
**12:31:41**
